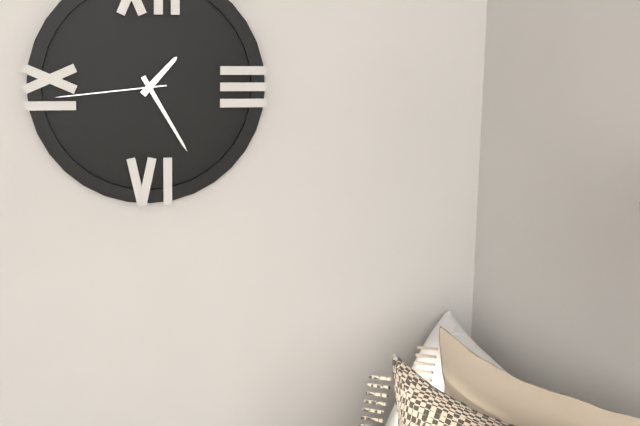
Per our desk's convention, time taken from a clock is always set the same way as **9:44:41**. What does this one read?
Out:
**1:25:44**
